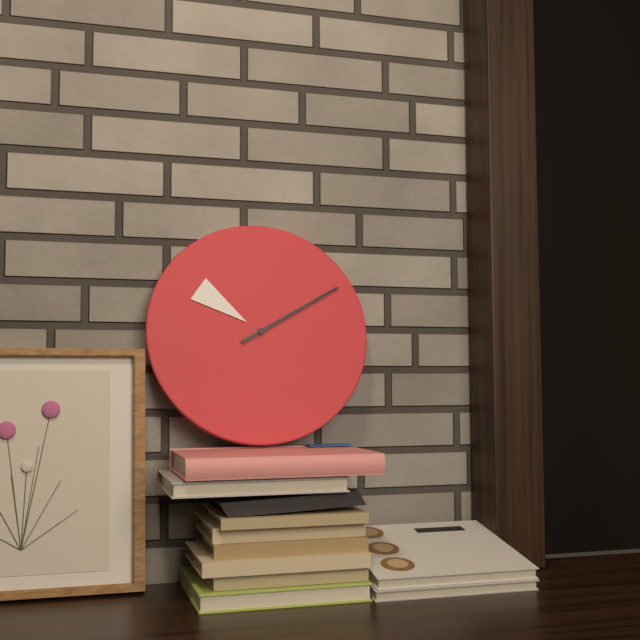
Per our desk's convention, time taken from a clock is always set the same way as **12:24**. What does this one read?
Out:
**10:10**
